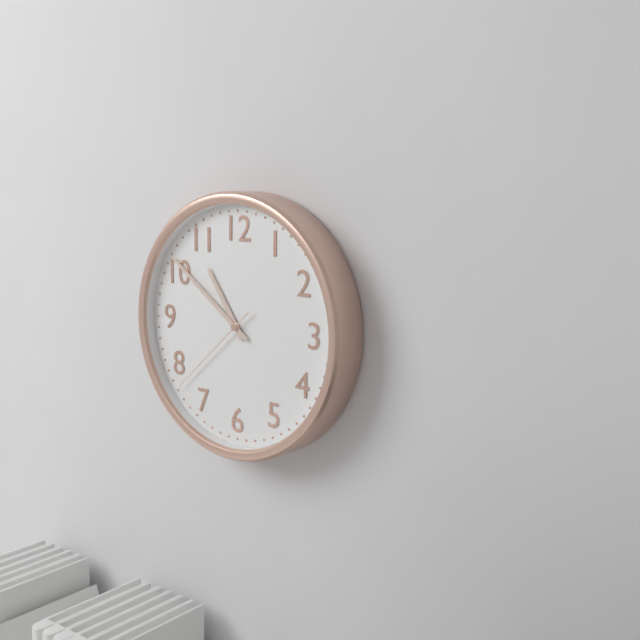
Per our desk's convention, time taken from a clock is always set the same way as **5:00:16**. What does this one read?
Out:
**10:51:38**
